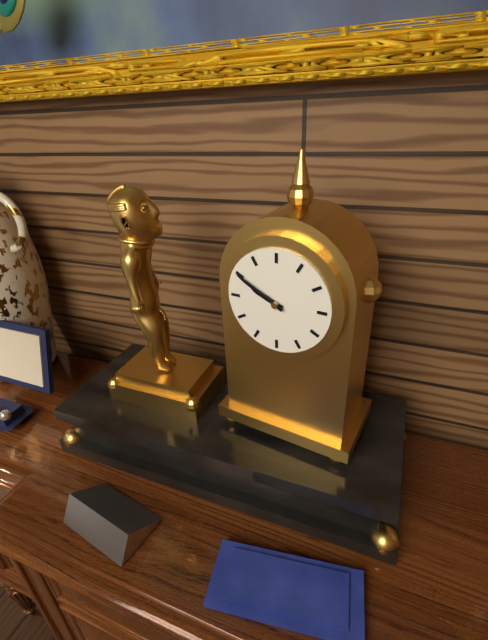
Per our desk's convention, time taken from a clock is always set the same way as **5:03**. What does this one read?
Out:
**9:50**
